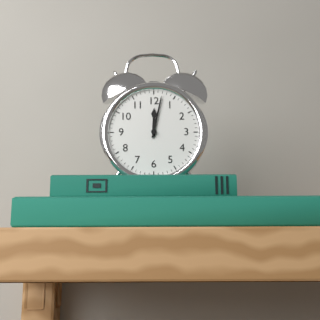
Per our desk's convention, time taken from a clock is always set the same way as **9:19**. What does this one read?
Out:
**12:02**
